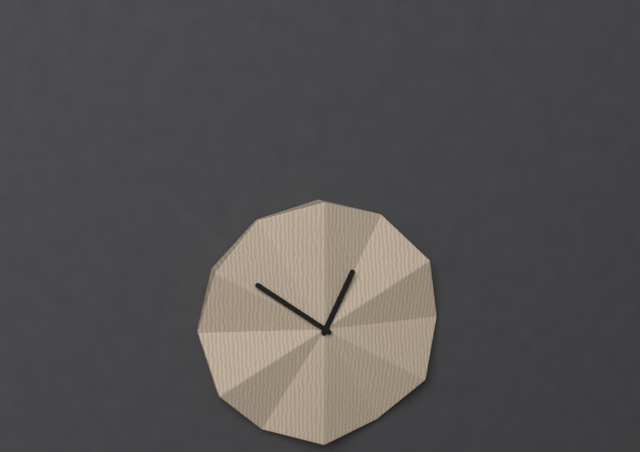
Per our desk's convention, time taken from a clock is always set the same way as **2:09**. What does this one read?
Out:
**12:51**
